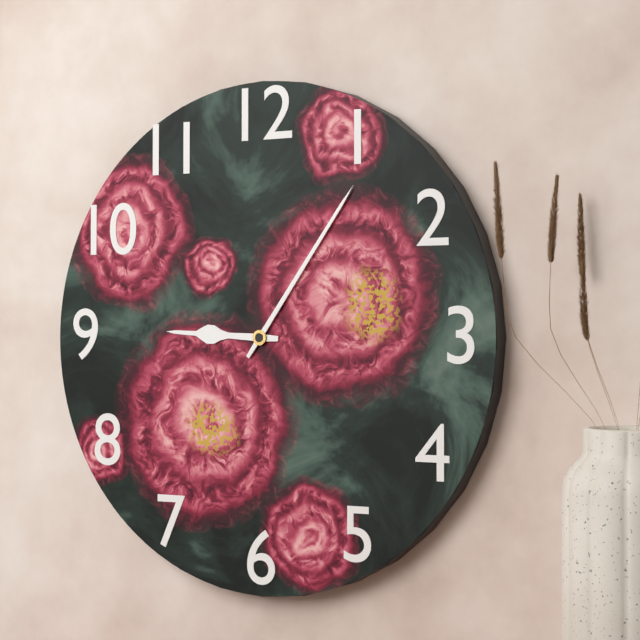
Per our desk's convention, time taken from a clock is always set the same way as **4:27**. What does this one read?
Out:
**9:06**
